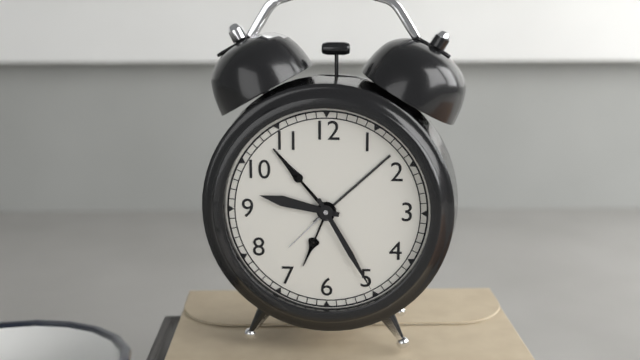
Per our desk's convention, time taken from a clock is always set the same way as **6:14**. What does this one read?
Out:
**9:25**
